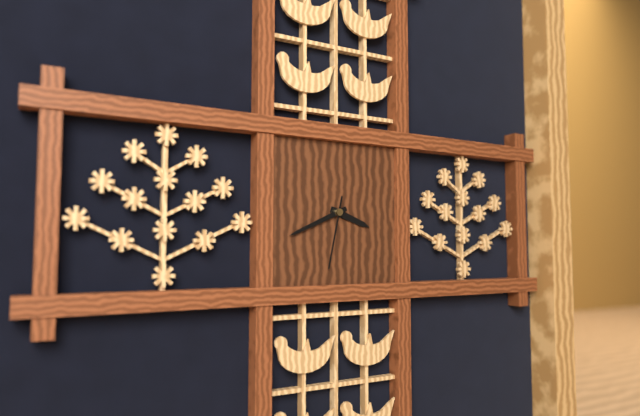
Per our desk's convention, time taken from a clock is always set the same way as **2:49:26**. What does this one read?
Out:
**3:41:32**
